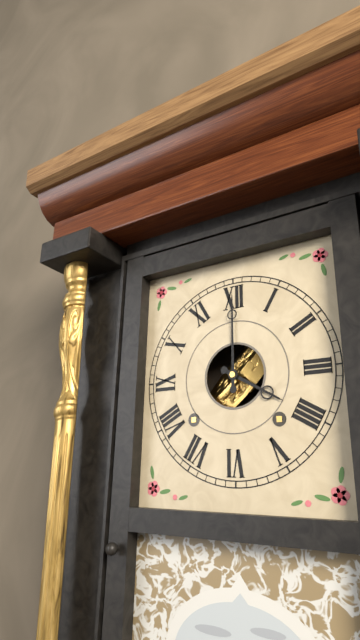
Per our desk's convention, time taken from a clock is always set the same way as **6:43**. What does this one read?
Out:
**4:00**
